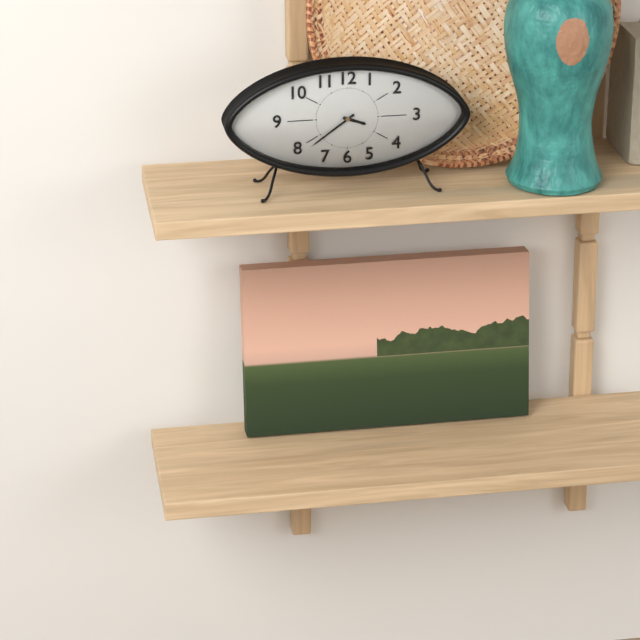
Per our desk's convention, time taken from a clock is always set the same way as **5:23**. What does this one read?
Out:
**3:39**
